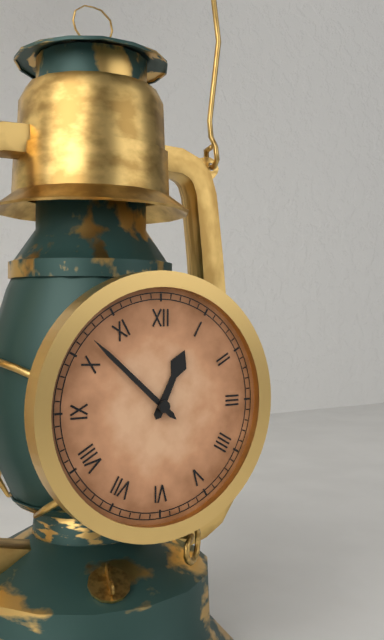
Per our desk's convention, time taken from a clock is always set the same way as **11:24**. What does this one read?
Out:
**12:52**
